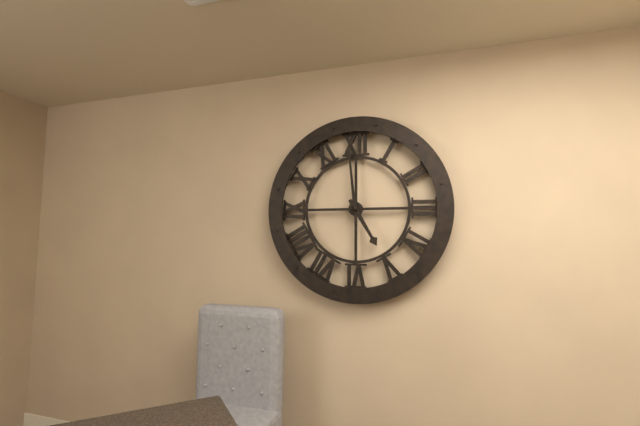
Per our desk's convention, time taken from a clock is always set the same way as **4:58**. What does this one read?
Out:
**4:59**
